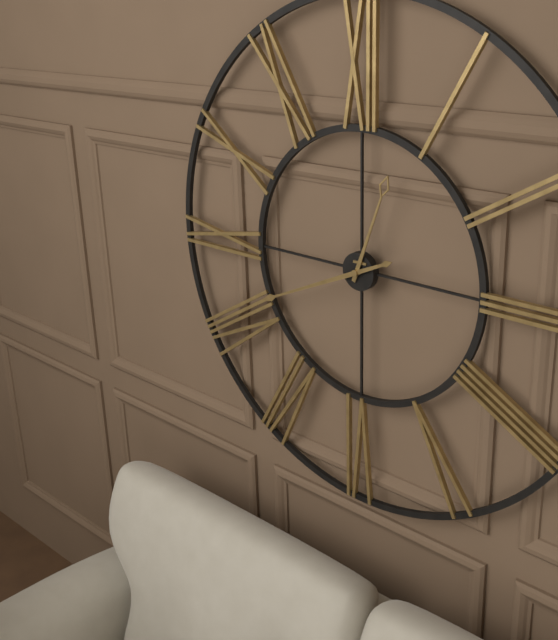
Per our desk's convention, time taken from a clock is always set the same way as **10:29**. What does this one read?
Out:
**12:41**
